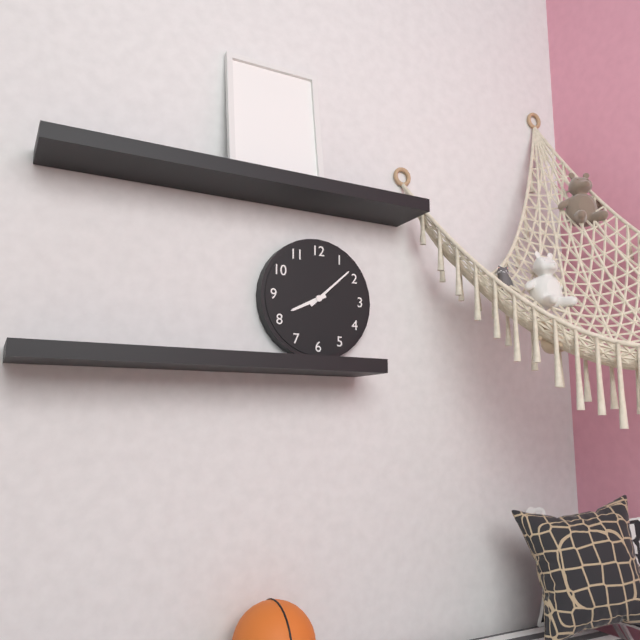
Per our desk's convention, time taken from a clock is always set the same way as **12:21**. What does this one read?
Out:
**8:08**
